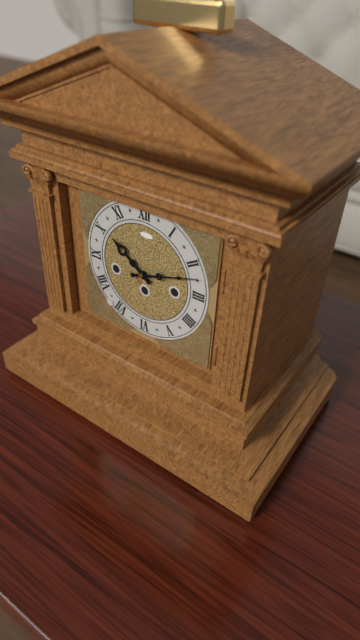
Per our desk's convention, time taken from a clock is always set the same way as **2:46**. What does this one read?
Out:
**10:12**
